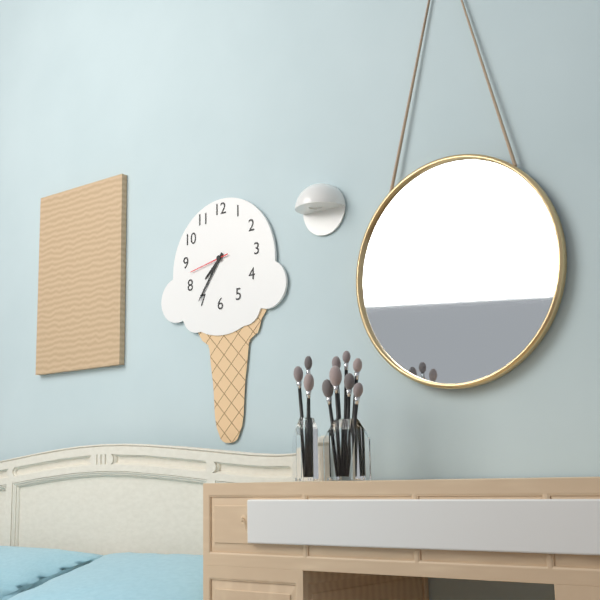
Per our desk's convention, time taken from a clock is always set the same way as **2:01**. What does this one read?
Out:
**7:36**
